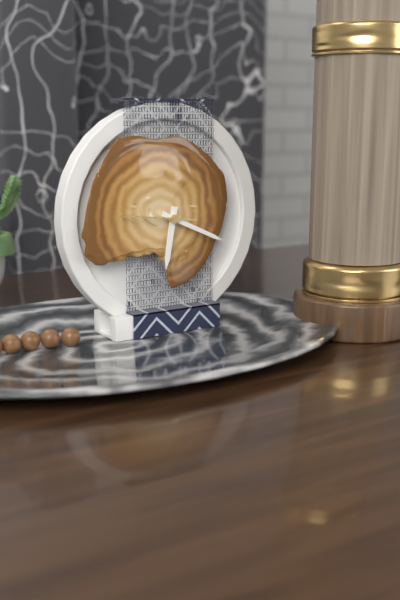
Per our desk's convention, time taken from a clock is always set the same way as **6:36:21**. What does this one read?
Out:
**6:19:46**
